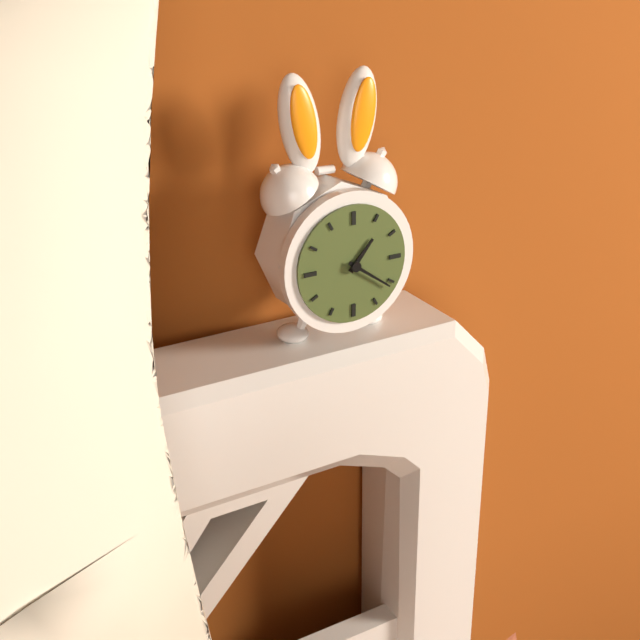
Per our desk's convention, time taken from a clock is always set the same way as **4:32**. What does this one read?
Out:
**1:21**
